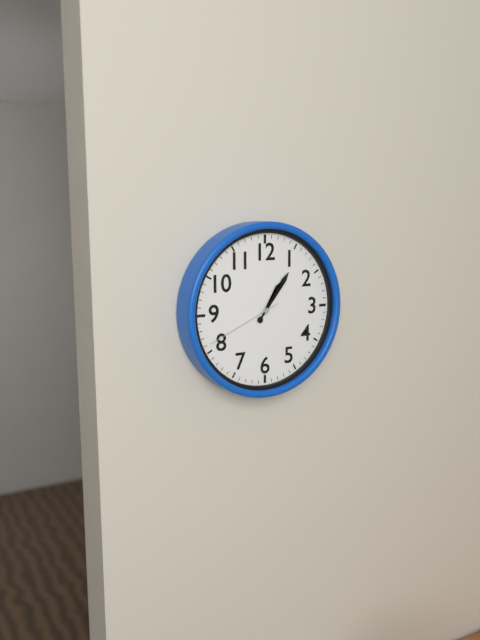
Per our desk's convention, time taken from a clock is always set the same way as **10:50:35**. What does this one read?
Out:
**1:06:41**
